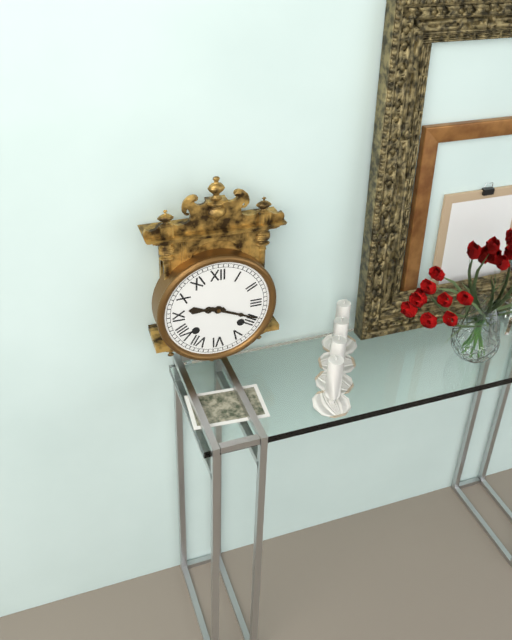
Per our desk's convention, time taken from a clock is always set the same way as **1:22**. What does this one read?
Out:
**9:19**
